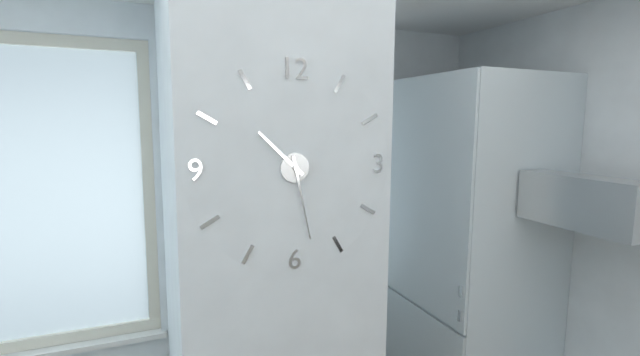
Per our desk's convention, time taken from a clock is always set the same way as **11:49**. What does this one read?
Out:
**10:28**
